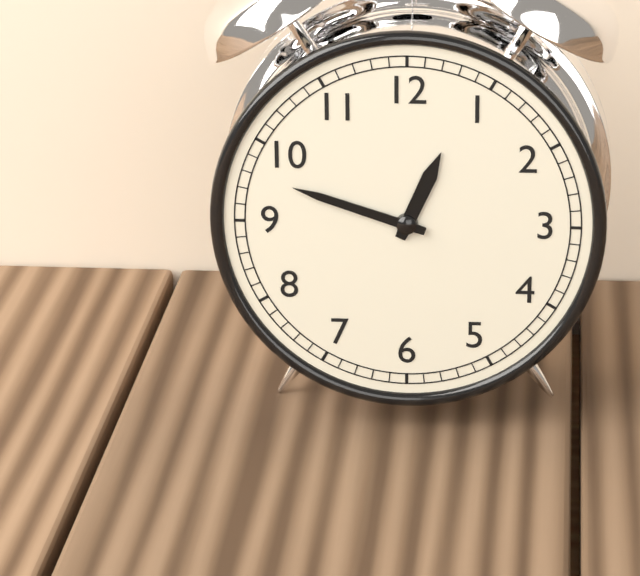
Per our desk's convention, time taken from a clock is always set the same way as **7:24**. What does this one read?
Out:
**12:48**
